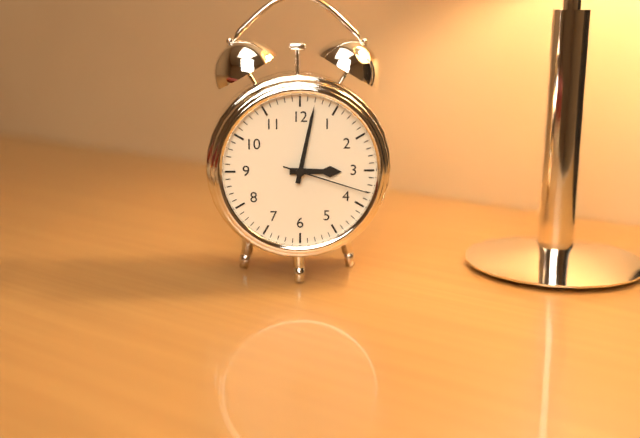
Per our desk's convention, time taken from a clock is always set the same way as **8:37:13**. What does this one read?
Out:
**3:02:18**
